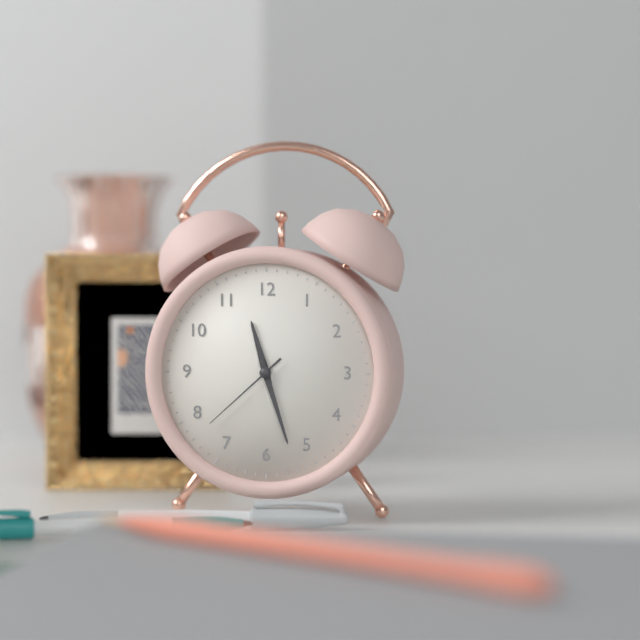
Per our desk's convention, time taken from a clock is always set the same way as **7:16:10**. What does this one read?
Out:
**11:27:38**
